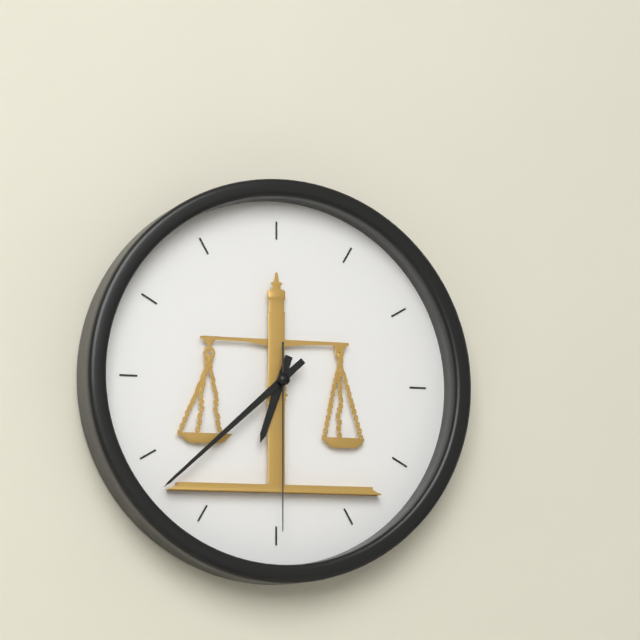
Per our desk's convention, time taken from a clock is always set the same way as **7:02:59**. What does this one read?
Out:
**6:38:30**
